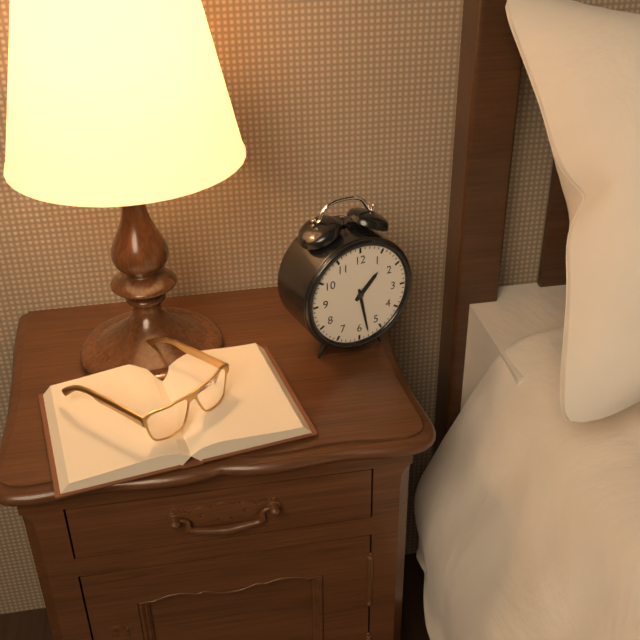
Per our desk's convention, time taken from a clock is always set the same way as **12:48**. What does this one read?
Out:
**1:28**
